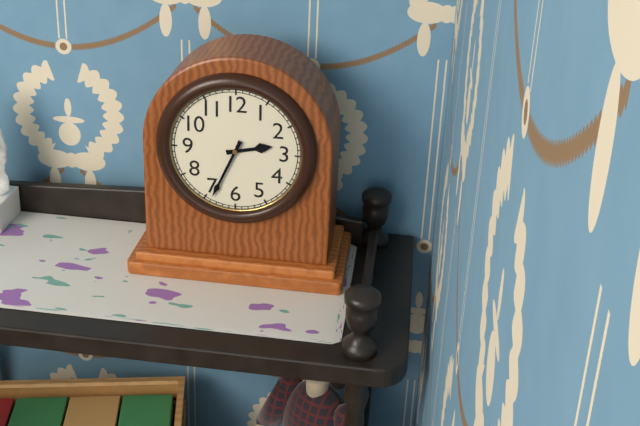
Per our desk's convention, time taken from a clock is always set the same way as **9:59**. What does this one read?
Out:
**2:34**
